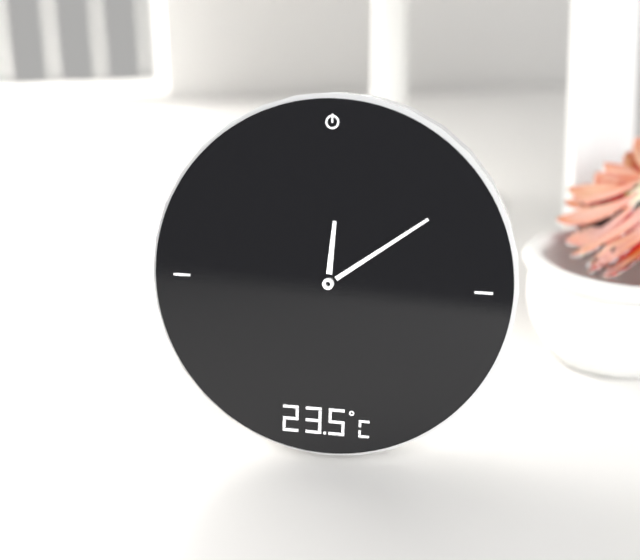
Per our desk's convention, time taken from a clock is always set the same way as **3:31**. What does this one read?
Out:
**12:09**
